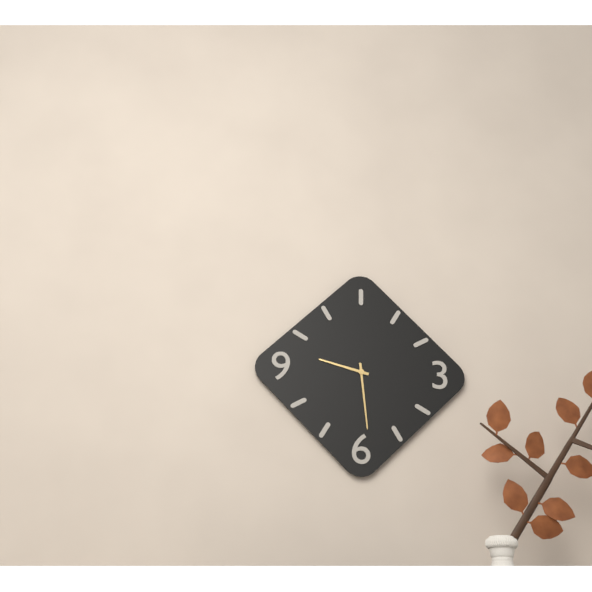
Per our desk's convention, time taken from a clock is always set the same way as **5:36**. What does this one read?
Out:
**9:29**
